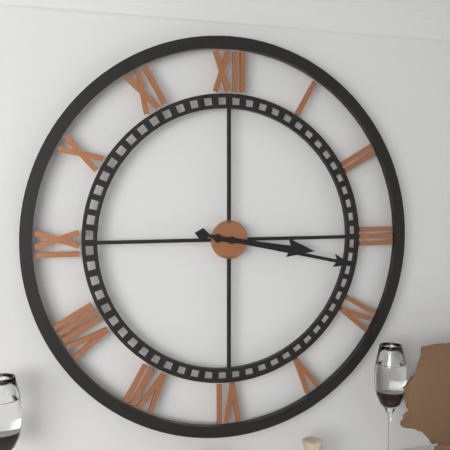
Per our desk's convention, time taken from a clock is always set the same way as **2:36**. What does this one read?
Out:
**3:17**
